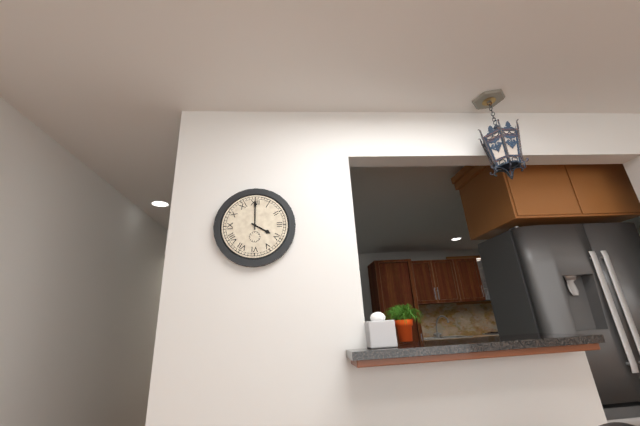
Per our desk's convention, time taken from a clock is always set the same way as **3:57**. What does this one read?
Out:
**4:00**
